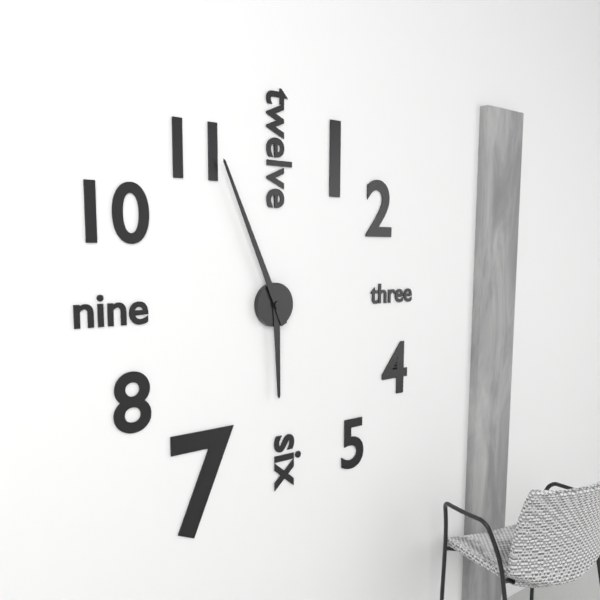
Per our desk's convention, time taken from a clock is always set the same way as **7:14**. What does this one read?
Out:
**5:56**
